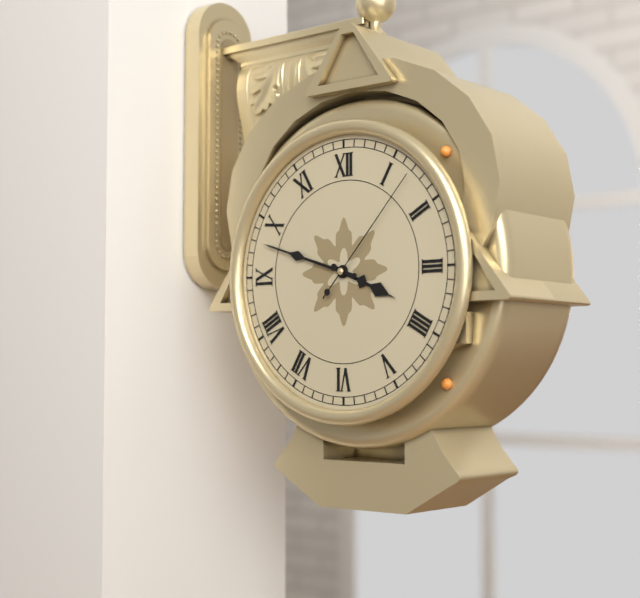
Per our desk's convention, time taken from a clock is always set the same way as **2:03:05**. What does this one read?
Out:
**3:48:07**
